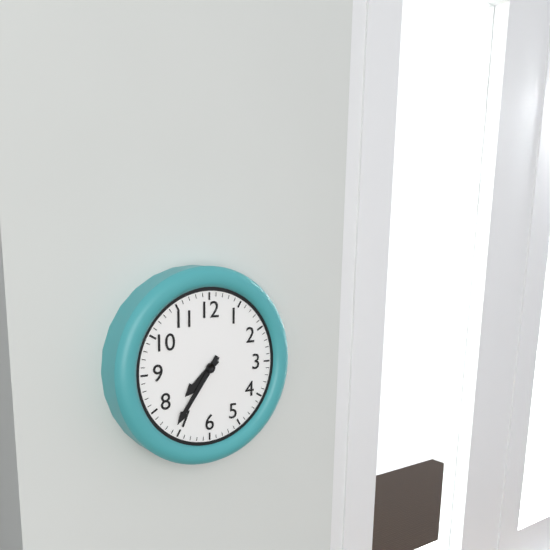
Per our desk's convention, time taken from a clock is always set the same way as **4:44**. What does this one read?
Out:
**7:36**
